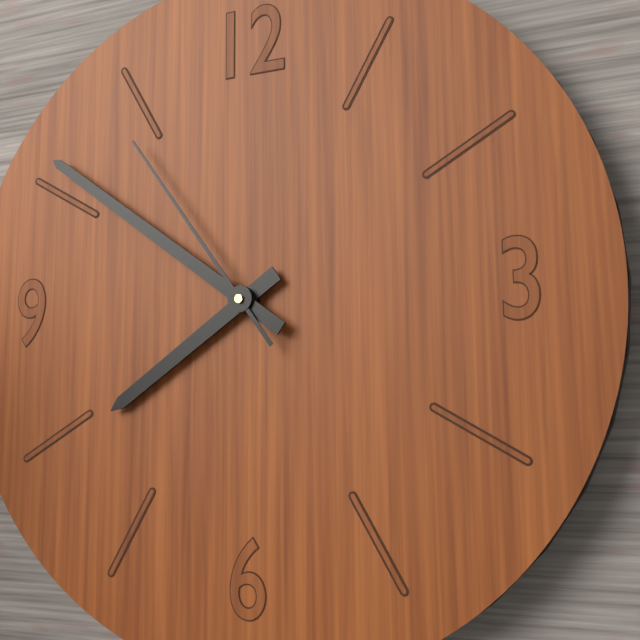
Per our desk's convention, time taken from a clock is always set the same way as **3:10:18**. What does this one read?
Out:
**7:51:54**
